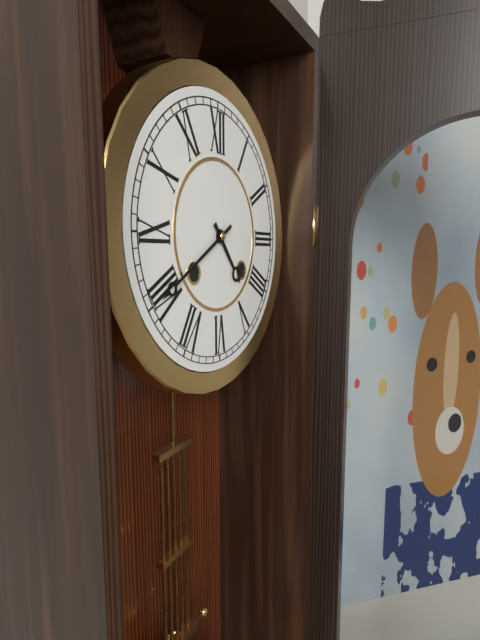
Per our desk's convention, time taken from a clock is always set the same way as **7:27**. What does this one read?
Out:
**4:40**
